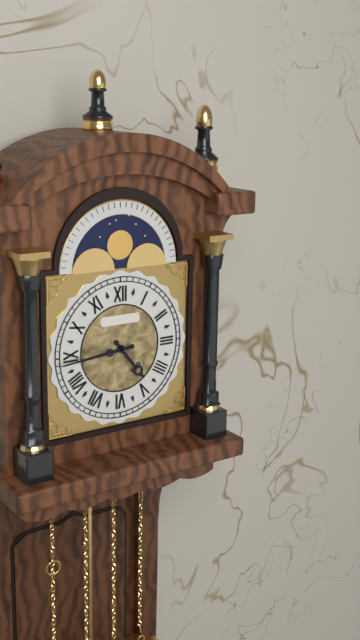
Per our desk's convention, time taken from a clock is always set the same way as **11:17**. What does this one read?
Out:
**4:44**
